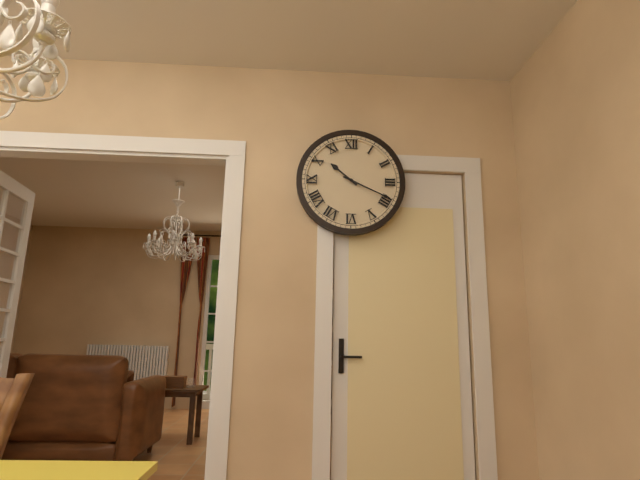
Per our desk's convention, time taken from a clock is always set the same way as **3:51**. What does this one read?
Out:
**10:19**
